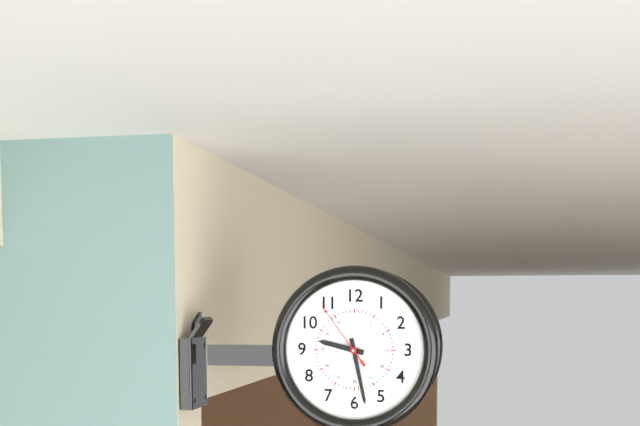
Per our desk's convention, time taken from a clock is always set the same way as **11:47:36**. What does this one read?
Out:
**9:28:54**
